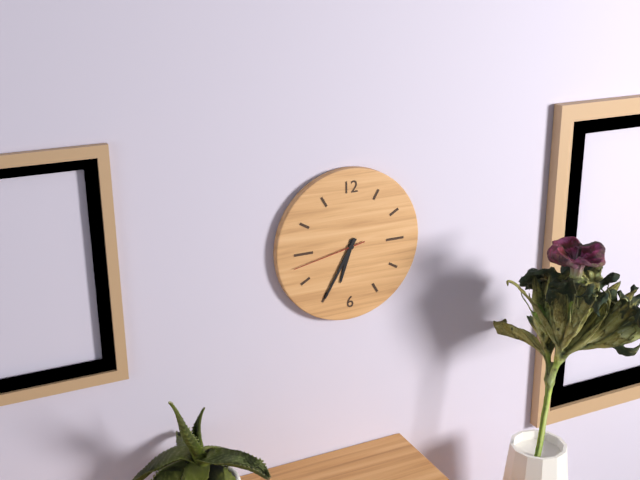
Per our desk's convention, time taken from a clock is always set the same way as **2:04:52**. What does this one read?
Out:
**6:35:43**
